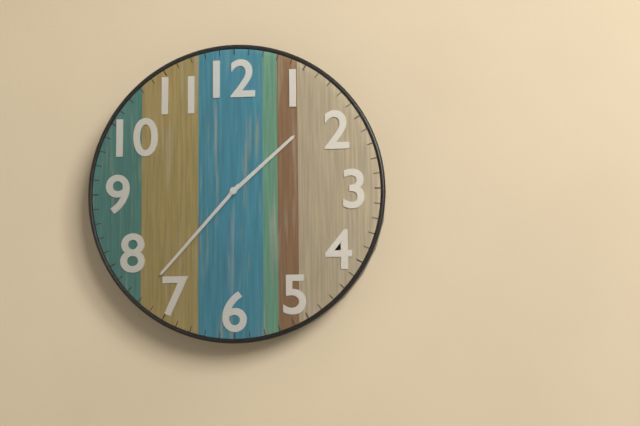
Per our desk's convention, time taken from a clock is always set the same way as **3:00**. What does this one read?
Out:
**1:37**
